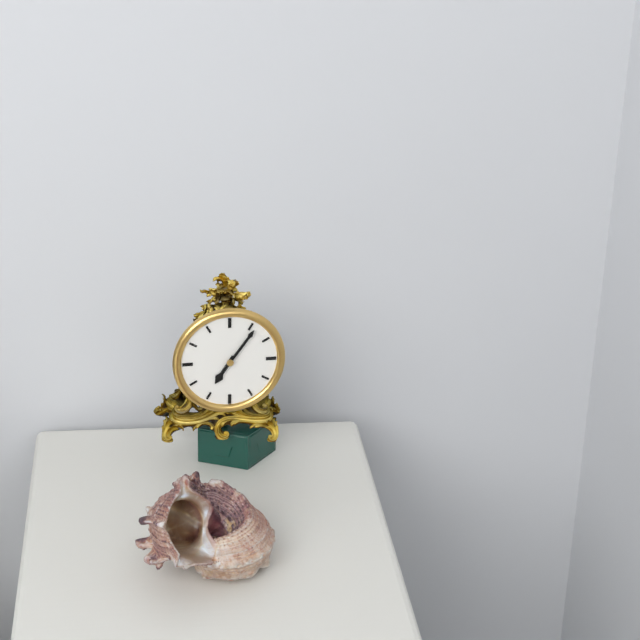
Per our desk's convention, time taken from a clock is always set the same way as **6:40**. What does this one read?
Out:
**7:06**
